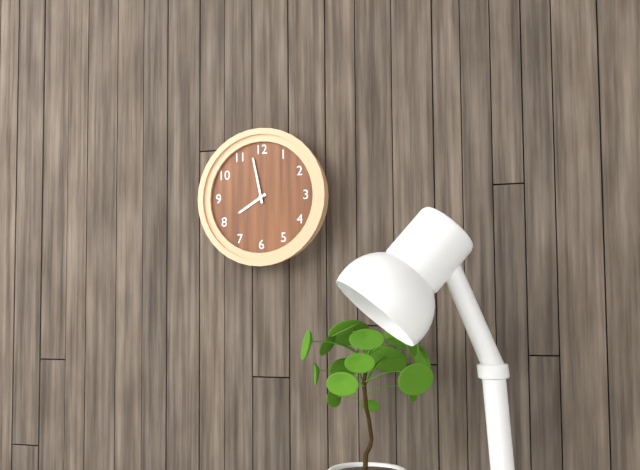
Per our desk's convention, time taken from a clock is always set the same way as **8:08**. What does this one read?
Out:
**7:58**
